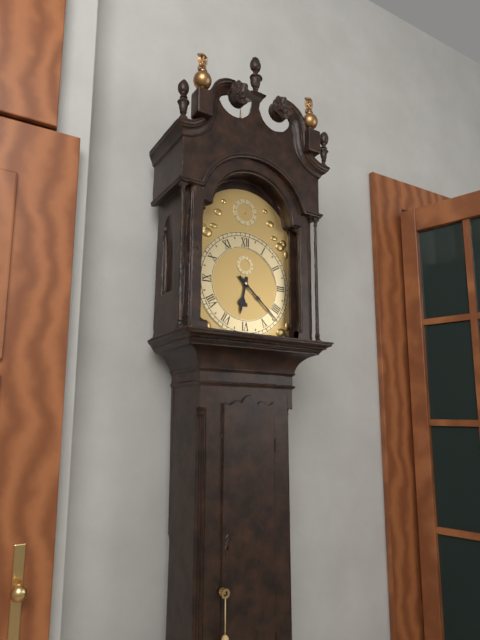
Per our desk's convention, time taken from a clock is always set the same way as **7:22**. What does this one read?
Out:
**6:22**
